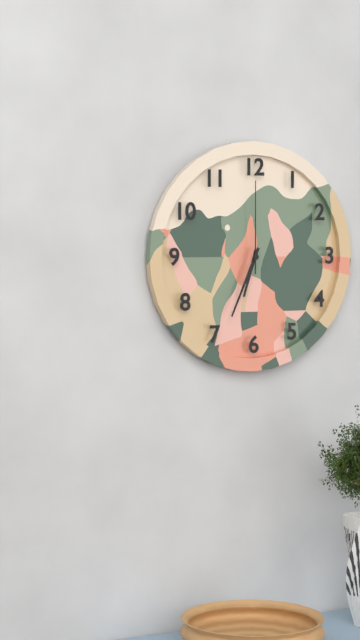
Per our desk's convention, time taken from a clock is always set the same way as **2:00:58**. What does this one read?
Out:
**6:34:00**
